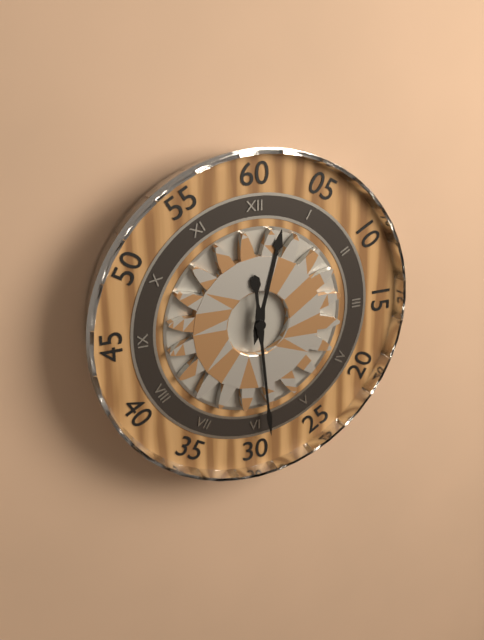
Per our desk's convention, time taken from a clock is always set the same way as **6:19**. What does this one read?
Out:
**12:29**
